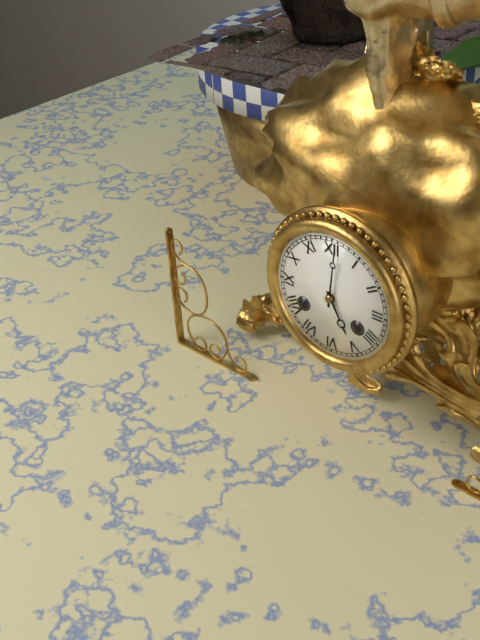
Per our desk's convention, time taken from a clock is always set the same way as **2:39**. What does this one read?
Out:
**5:01**
